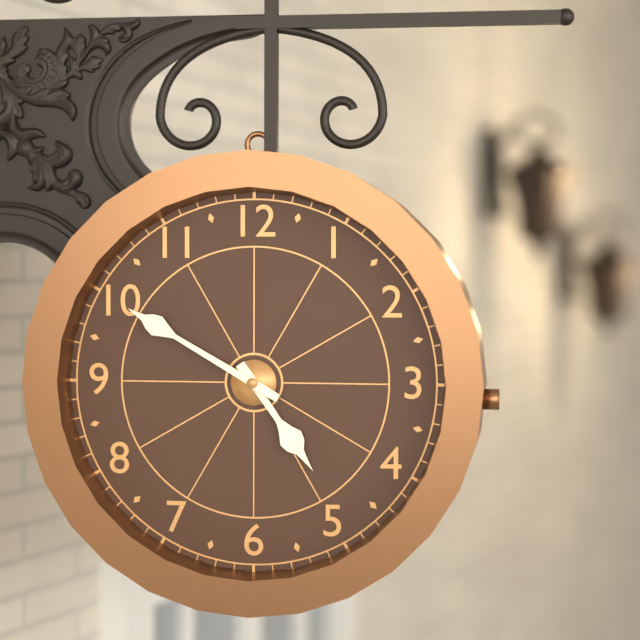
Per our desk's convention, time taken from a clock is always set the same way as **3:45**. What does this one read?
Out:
**4:50**
